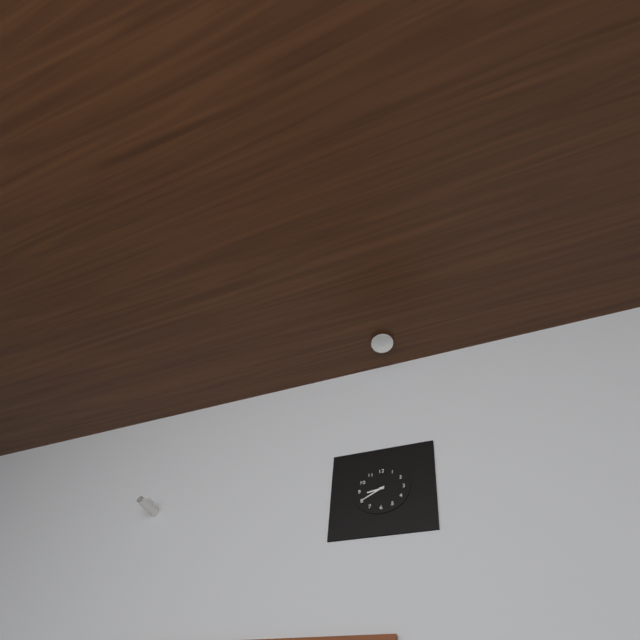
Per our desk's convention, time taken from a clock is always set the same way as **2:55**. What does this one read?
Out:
**8:40**
